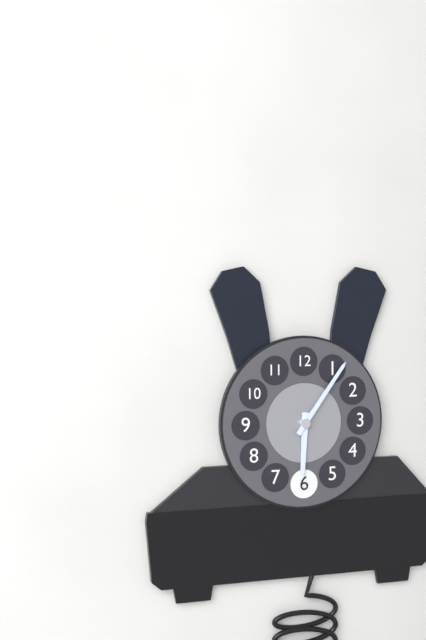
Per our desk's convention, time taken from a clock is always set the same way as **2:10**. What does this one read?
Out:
**6:06**
